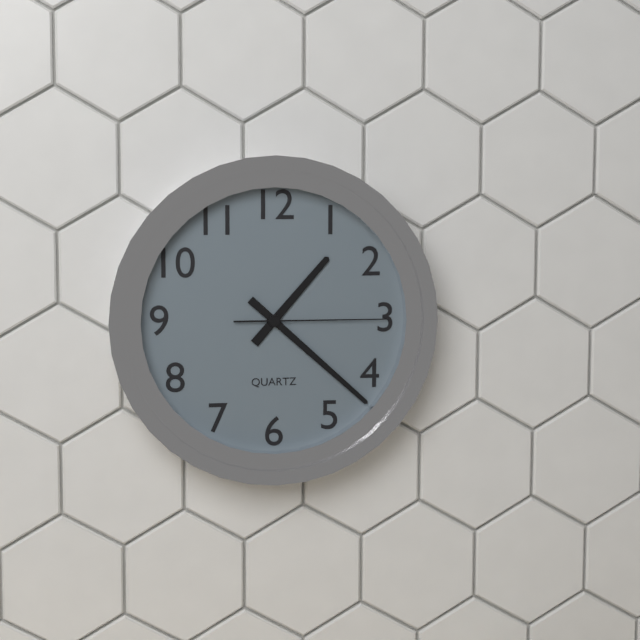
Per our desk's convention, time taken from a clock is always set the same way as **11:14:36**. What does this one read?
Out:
**1:22:15**
